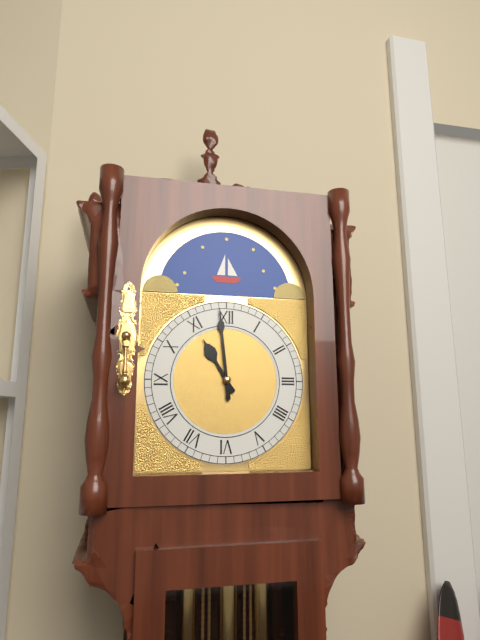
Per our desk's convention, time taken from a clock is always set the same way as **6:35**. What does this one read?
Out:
**10:59**
